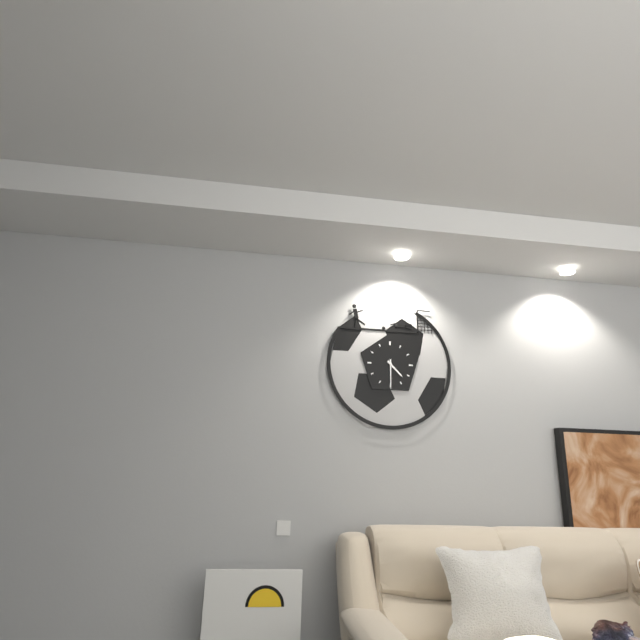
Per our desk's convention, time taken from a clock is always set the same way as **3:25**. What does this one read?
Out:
**4:30**
